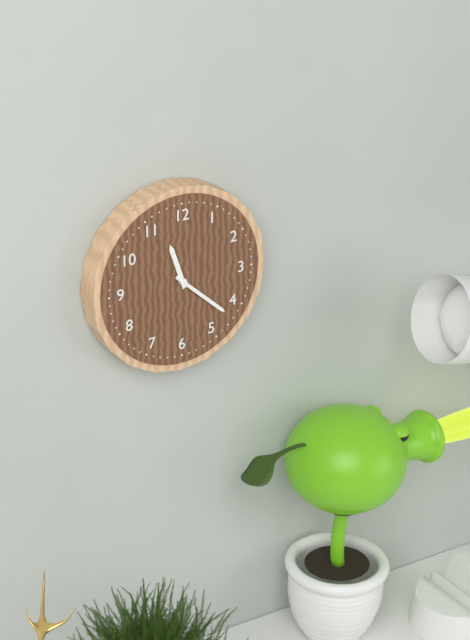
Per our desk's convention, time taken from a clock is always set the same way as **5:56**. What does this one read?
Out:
**11:22**
